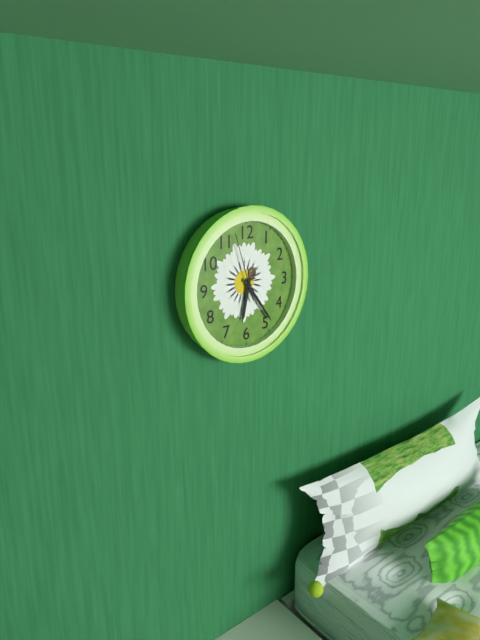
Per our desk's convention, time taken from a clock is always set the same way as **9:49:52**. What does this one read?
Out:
**6:24:57**
